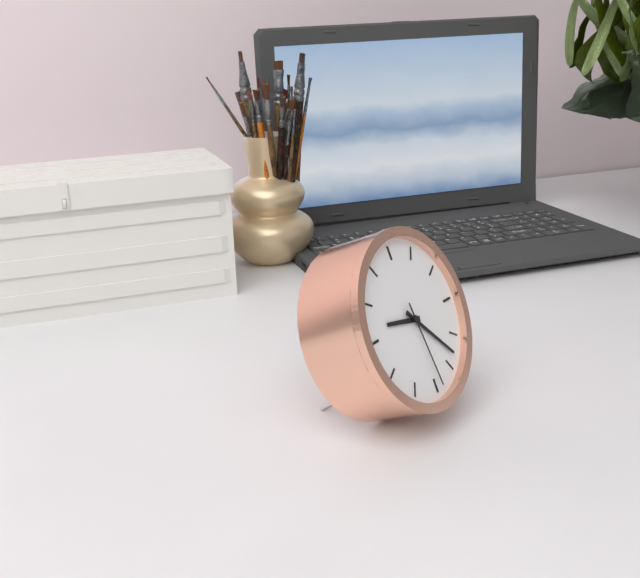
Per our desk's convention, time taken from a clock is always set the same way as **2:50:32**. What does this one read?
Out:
**9:23:29**
